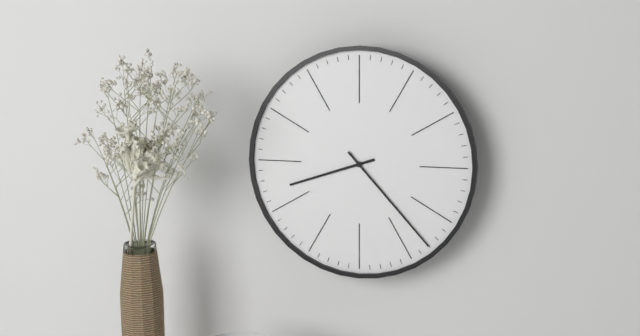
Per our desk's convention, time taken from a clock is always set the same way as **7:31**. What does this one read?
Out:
**8:23**
